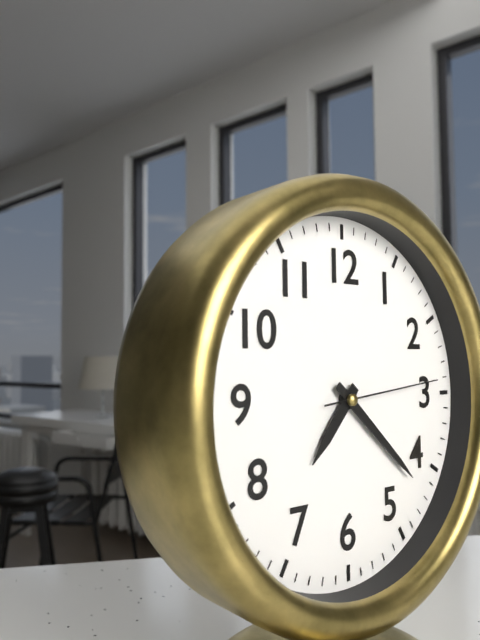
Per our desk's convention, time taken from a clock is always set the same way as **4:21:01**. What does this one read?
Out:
**7:22:14**
